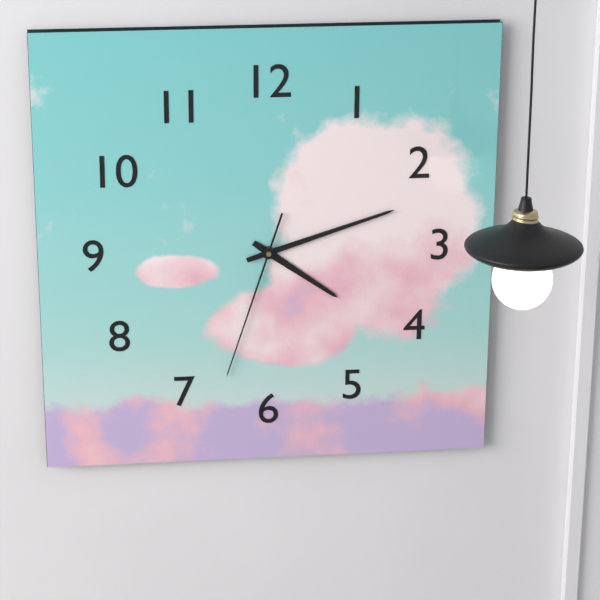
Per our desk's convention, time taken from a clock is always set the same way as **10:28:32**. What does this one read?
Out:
**4:12:33**
